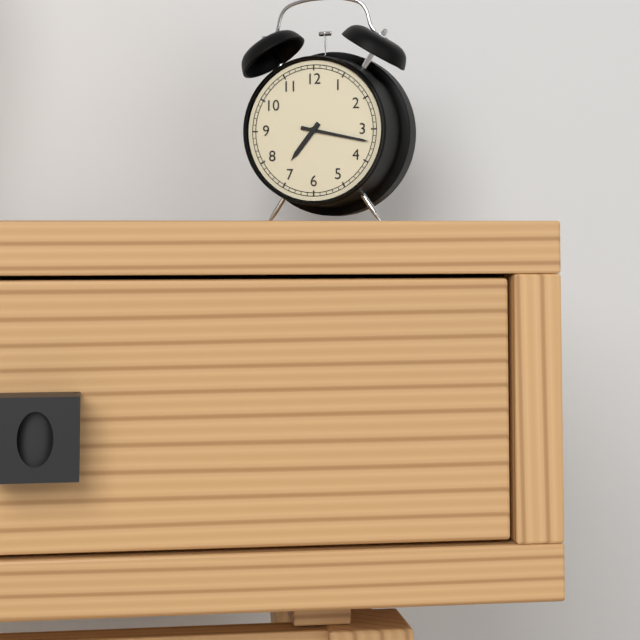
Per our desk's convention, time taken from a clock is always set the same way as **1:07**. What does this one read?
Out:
**7:17**
